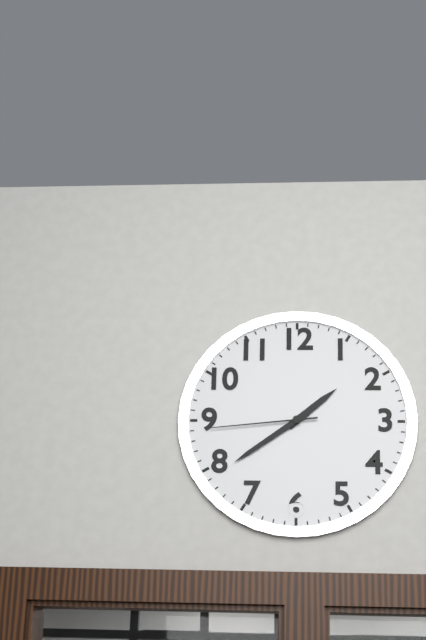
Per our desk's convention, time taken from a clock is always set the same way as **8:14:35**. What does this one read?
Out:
**1:39:44**
